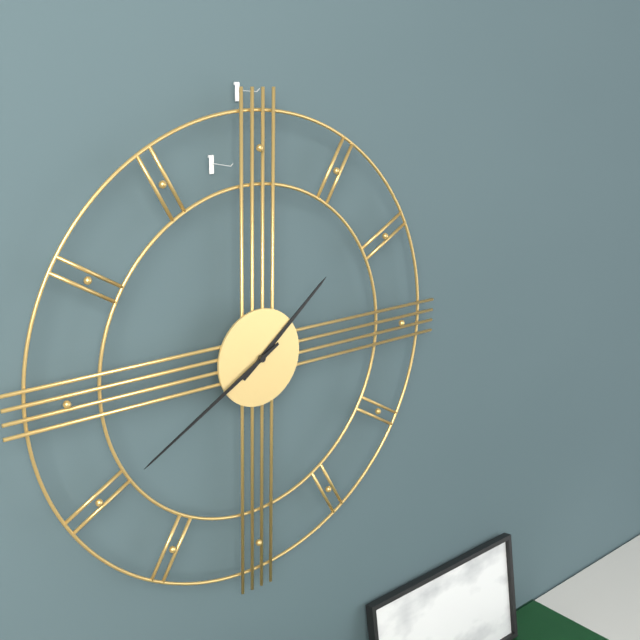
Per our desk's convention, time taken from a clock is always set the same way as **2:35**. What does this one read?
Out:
**1:40**
